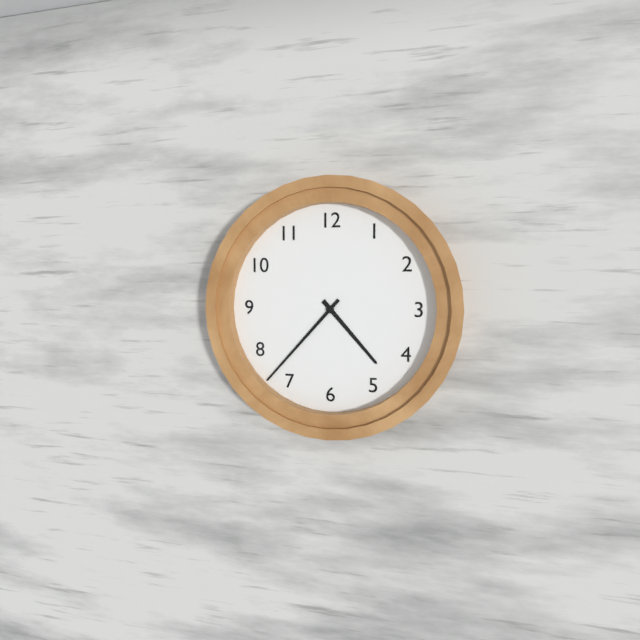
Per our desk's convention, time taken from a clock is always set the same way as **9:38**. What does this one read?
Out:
**4:37**
